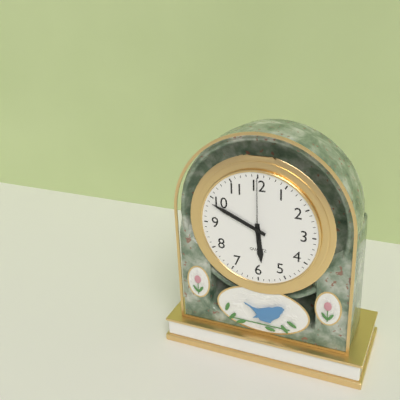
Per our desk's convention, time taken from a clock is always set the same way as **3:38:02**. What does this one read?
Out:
**5:49:00**
